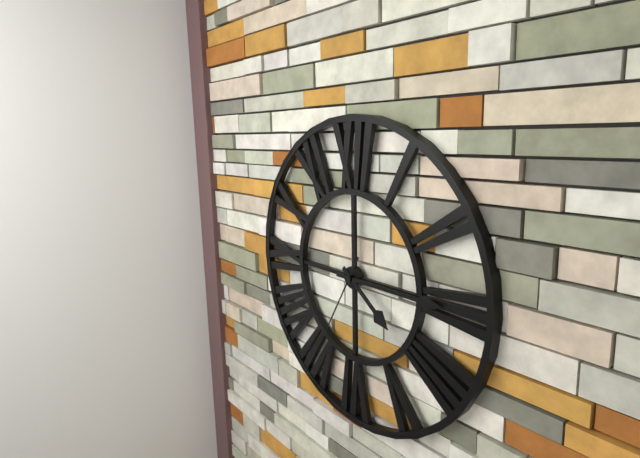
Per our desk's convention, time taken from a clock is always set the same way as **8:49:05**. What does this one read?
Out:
**4:15:35**
